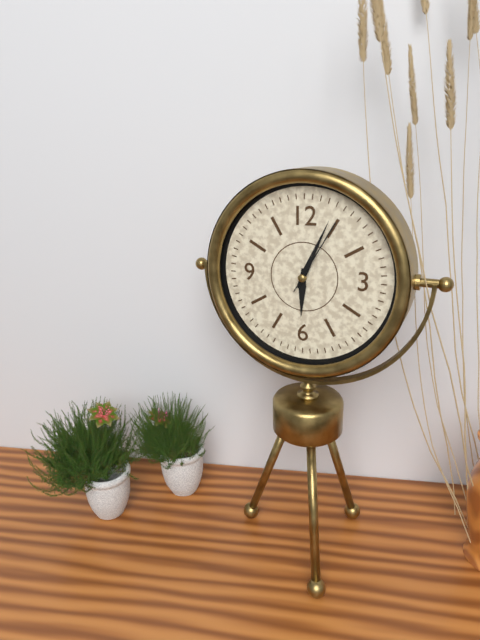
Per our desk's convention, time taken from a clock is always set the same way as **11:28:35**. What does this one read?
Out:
**6:04:05**
